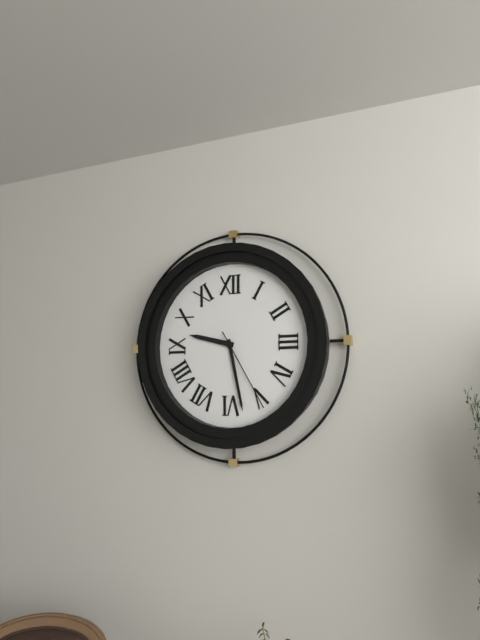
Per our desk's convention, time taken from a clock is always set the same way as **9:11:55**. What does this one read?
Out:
**9:28:25**
